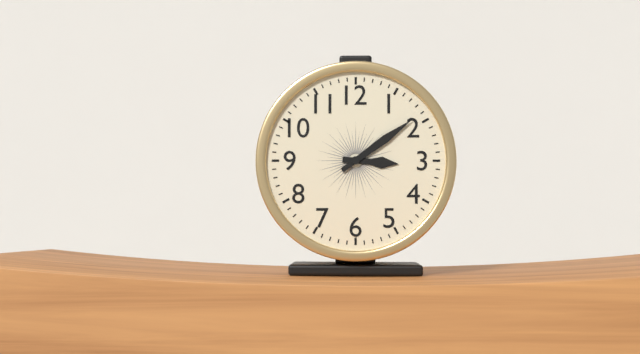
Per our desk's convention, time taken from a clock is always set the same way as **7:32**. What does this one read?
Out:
**3:09**
